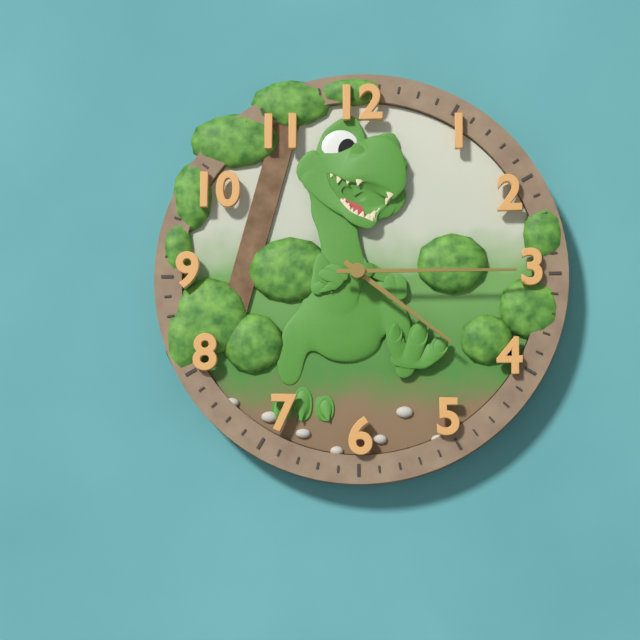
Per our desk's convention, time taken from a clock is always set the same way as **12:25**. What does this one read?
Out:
**4:15**
